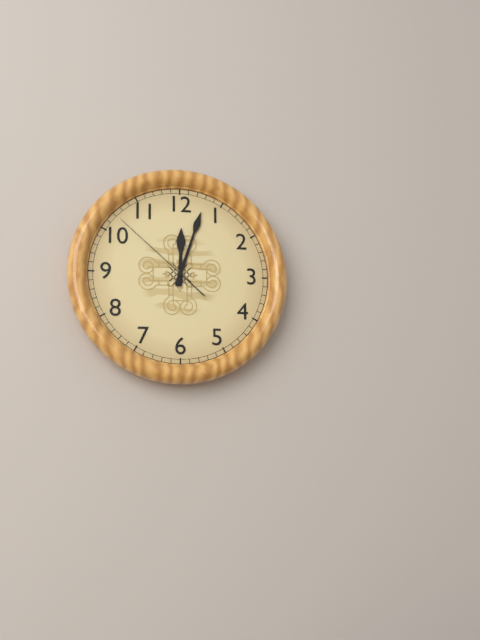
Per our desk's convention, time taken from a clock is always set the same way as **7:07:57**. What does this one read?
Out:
**12:03:52**
